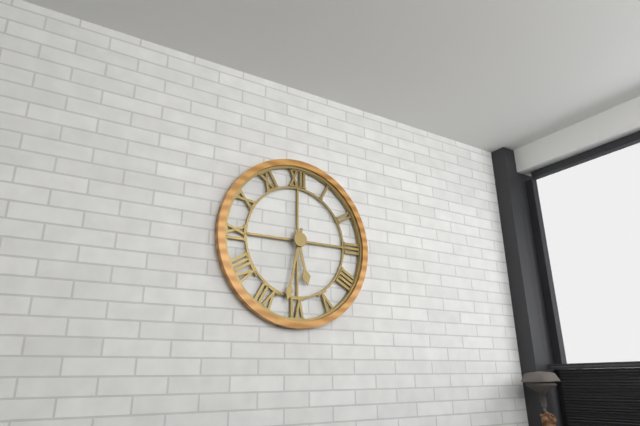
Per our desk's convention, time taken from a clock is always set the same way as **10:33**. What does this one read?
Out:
**5:32**
